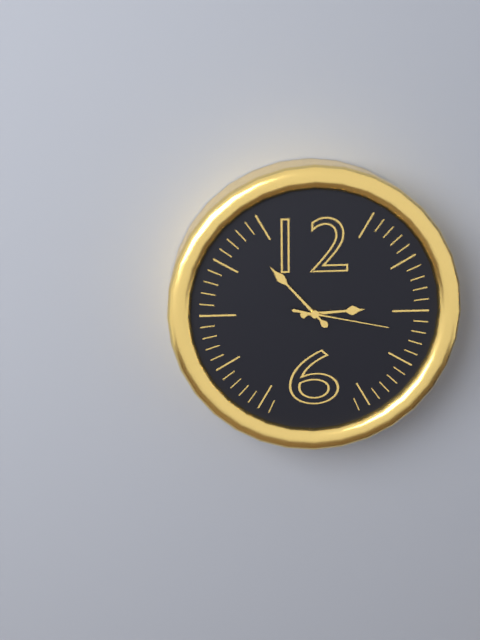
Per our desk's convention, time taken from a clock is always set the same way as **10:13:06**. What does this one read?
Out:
**2:53:17**
